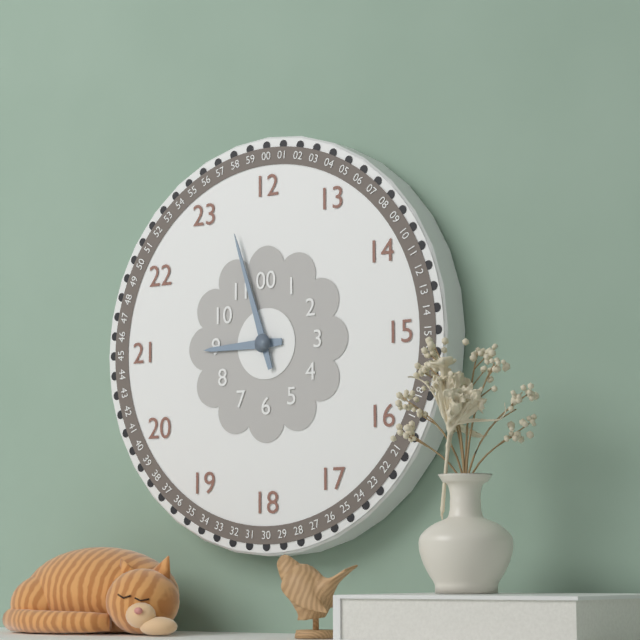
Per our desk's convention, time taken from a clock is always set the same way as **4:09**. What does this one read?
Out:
**8:57**
